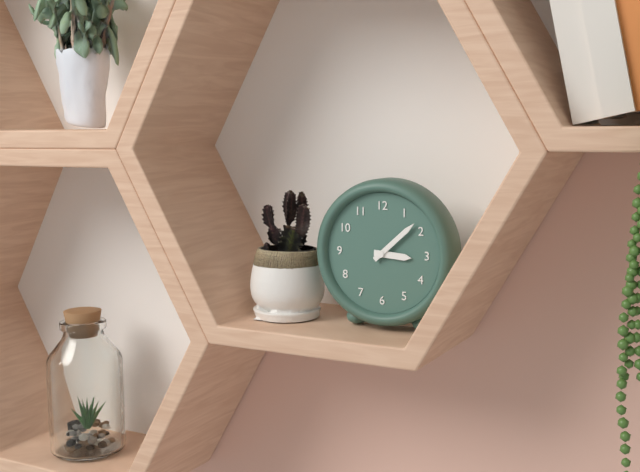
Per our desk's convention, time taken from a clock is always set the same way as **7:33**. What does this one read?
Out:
**3:08**
